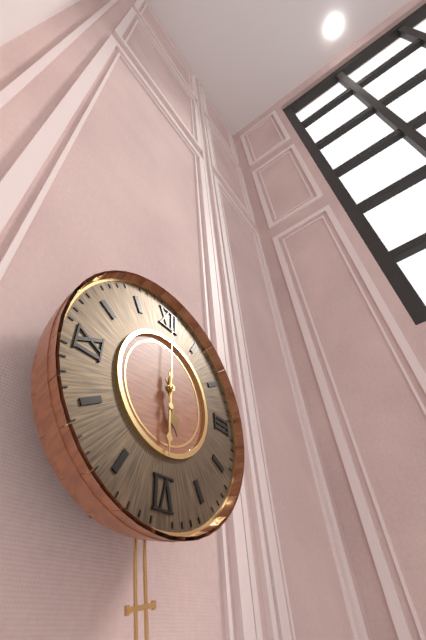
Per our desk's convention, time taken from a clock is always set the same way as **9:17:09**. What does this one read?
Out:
**5:30:00**
